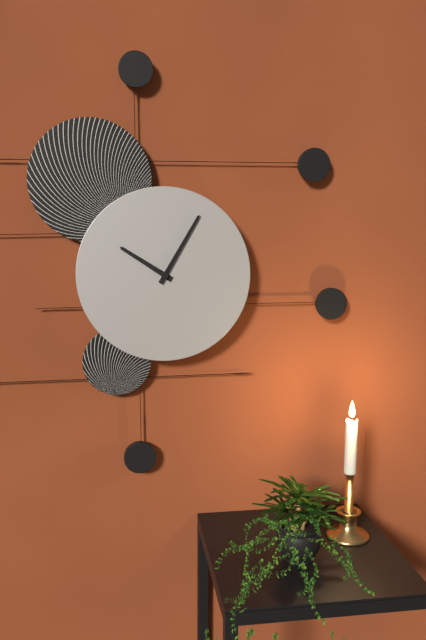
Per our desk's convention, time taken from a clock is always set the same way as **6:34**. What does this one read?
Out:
**10:05**
